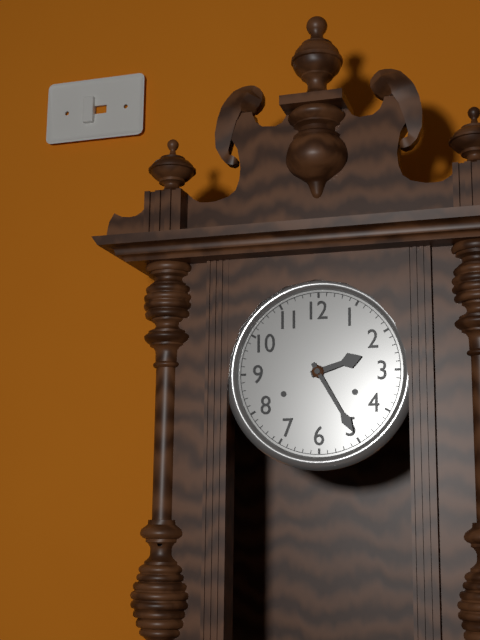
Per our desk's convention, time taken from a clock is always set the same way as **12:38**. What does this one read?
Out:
**2:25**
